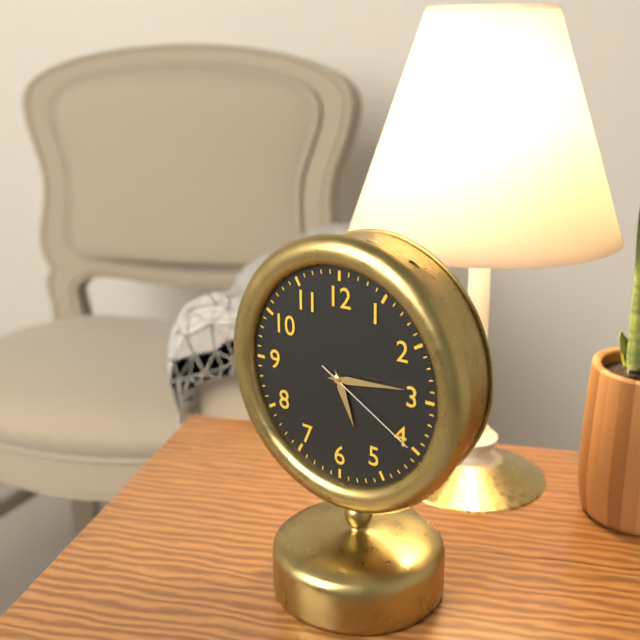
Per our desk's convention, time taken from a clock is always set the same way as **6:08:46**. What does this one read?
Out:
**5:14:20**
